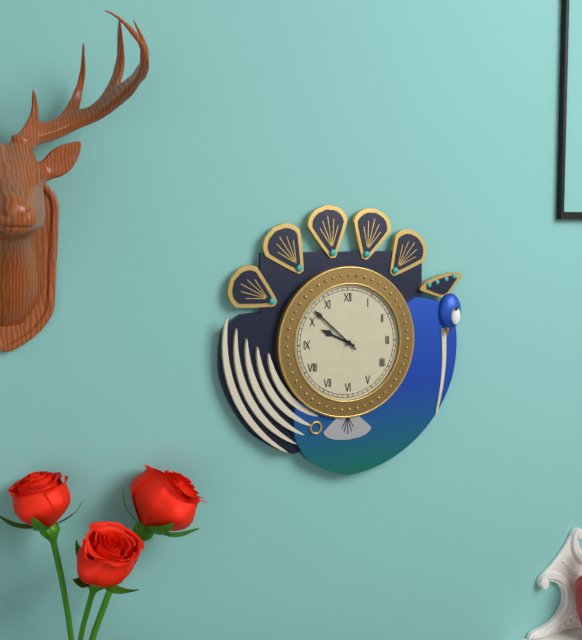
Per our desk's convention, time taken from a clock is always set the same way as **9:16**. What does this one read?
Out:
**9:52**
